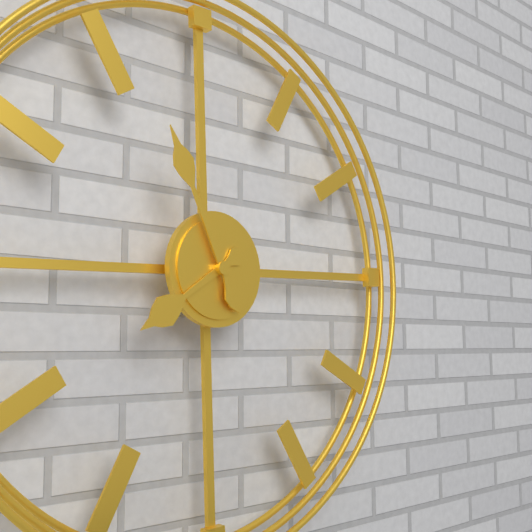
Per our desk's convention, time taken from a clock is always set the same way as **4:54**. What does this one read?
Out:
**7:56**
